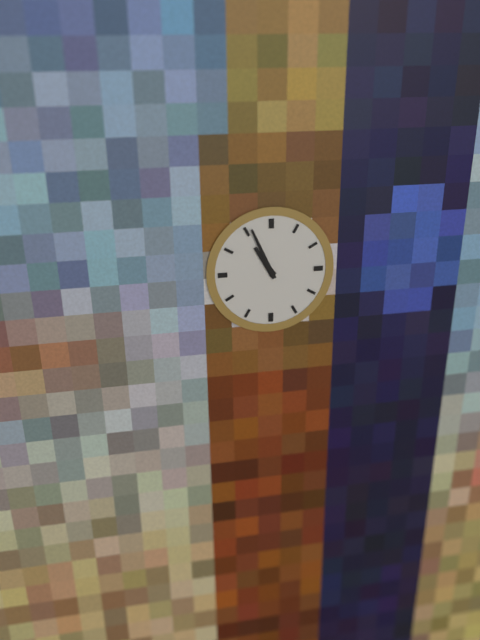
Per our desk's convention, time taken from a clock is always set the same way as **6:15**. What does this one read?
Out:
**10:56**
